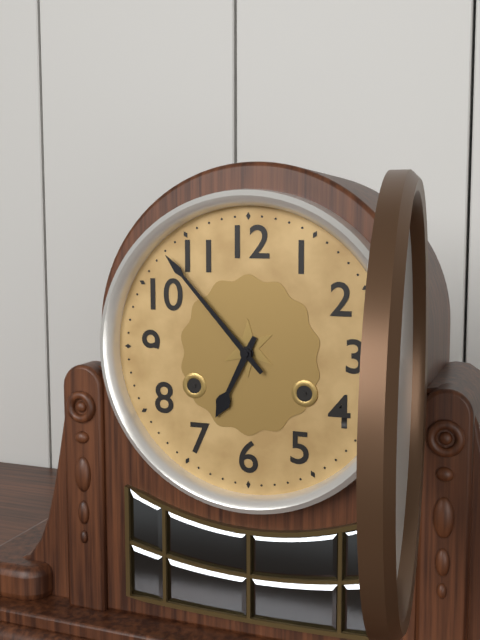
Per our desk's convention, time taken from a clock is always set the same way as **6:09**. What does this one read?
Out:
**6:53**
